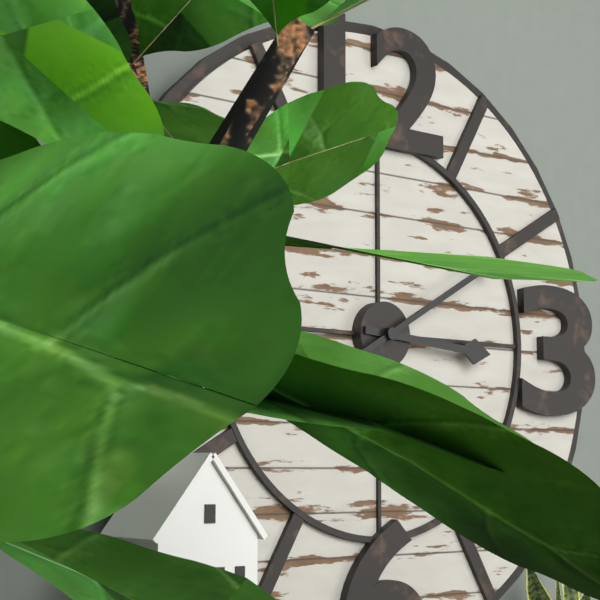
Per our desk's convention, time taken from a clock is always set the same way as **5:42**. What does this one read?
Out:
**3:10**
